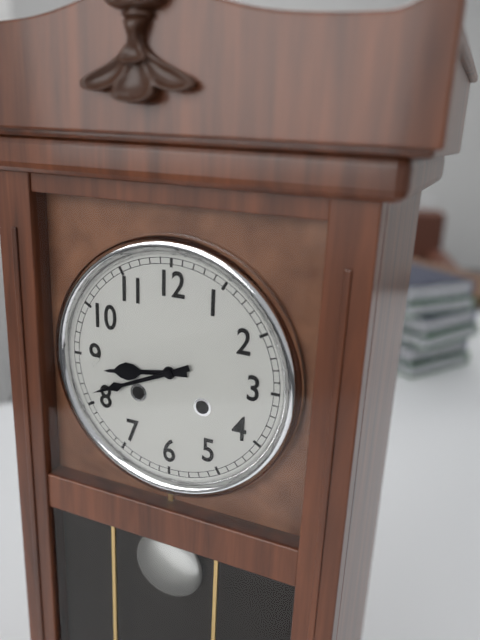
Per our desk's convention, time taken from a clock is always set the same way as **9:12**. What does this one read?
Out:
**8:41**
